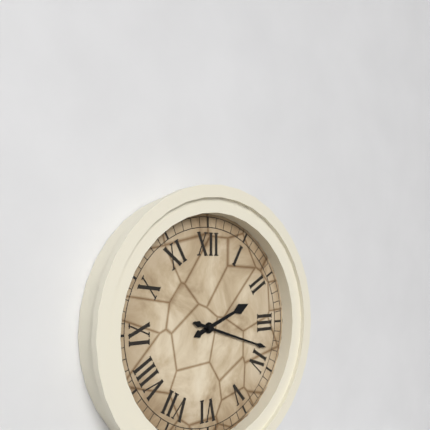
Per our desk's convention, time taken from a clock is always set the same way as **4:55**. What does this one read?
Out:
**2:18**
